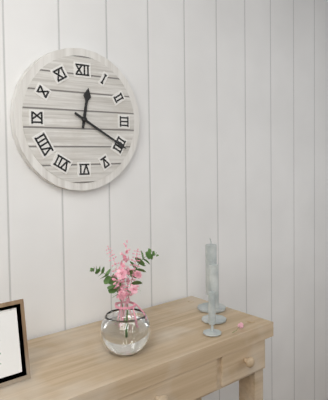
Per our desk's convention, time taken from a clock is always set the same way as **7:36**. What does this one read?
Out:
**12:20**
